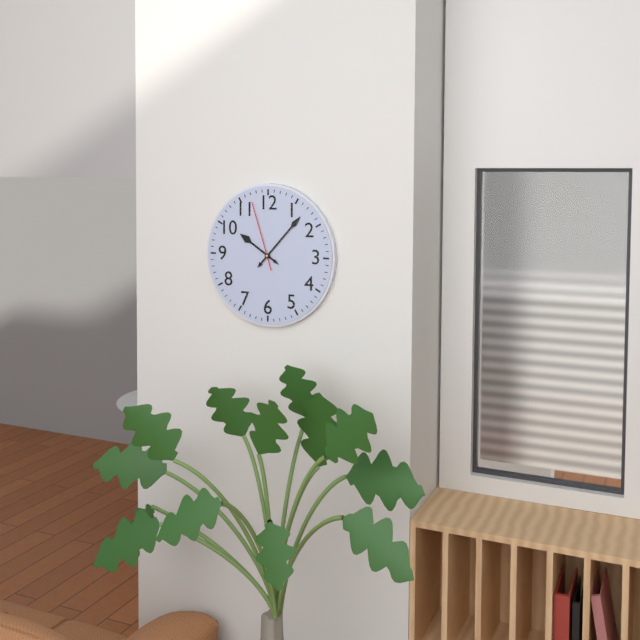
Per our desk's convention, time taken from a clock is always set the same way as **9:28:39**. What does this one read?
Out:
**10:07:57**
